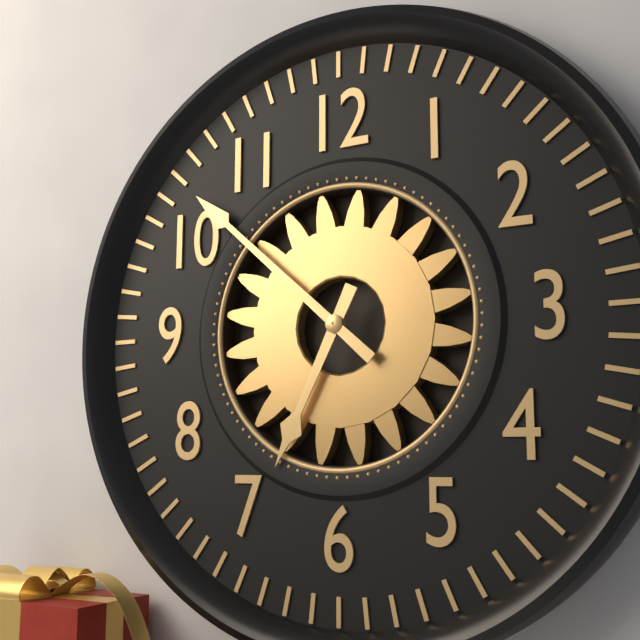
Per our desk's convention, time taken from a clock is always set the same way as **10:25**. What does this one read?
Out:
**6:52**
